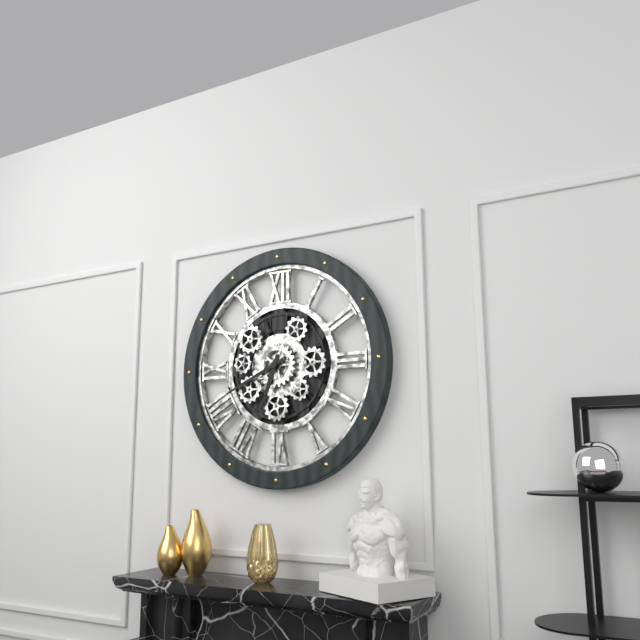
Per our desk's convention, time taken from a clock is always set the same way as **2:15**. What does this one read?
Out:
**6:41**
